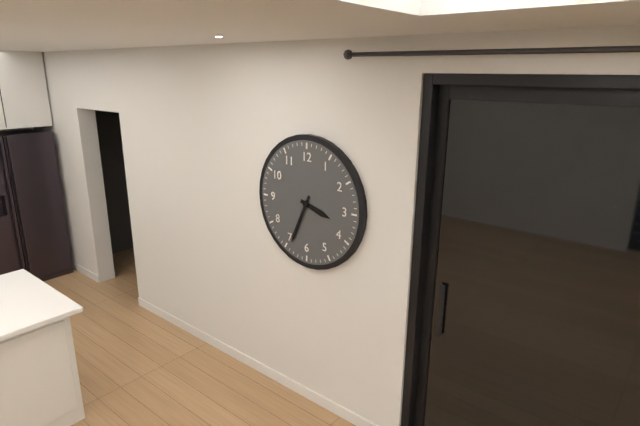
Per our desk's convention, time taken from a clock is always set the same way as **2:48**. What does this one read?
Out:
**3:34**
